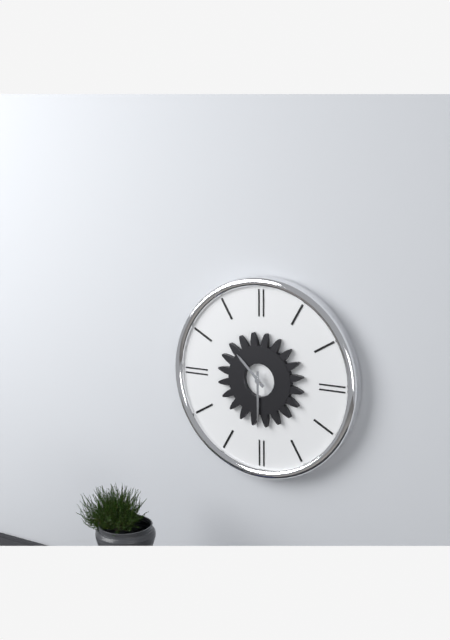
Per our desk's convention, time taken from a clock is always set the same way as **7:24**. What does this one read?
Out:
**10:30**
